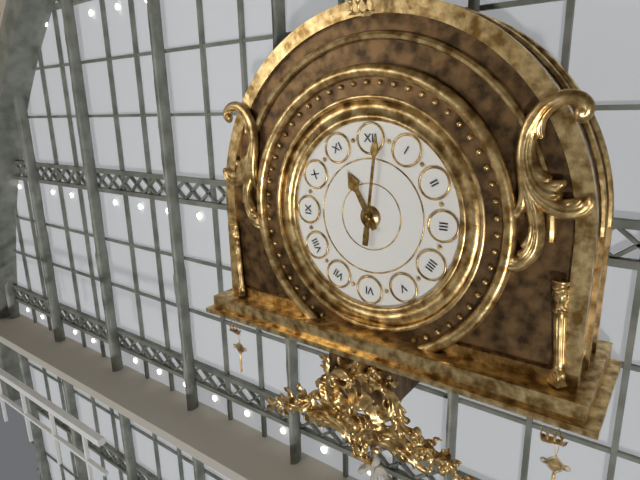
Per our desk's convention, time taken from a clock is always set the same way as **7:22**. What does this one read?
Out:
**11:01**
